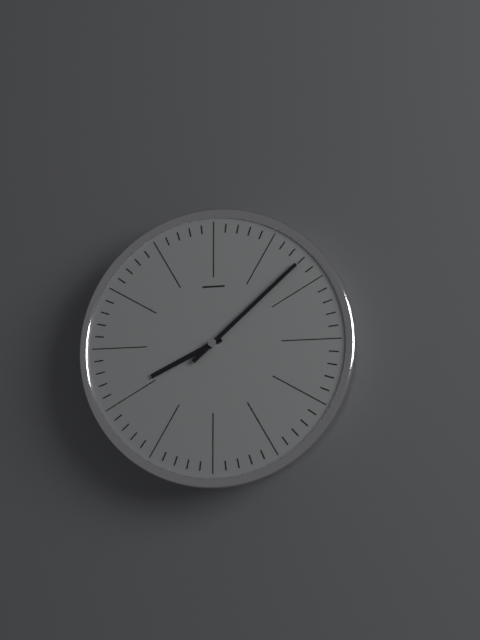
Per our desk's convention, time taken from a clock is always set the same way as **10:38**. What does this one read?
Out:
**8:08**
